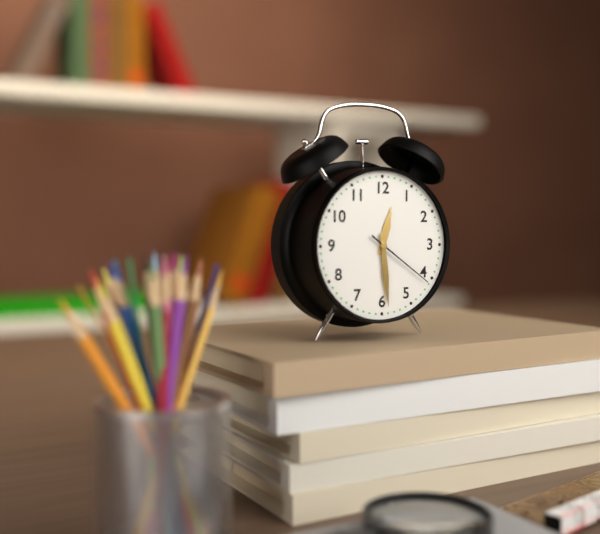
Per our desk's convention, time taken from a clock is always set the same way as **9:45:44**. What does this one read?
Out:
**12:29:21**
